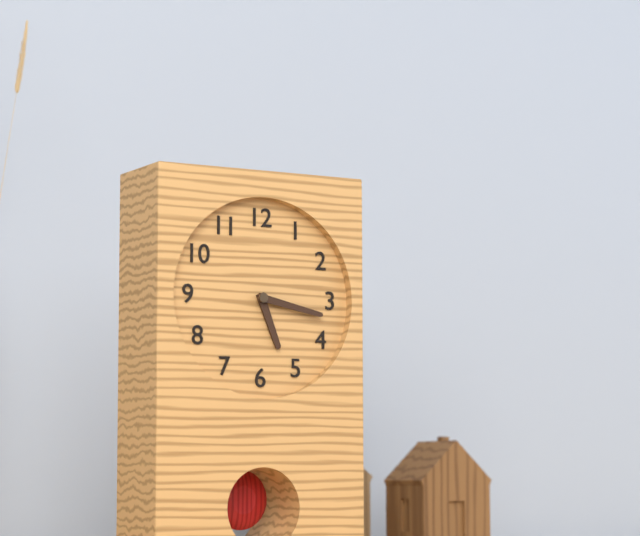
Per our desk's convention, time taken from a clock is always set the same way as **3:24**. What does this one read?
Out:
**5:17**
